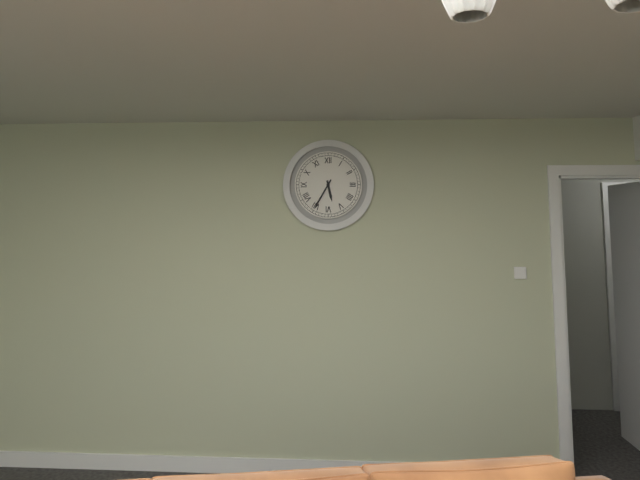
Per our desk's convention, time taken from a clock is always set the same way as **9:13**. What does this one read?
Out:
**5:35**
